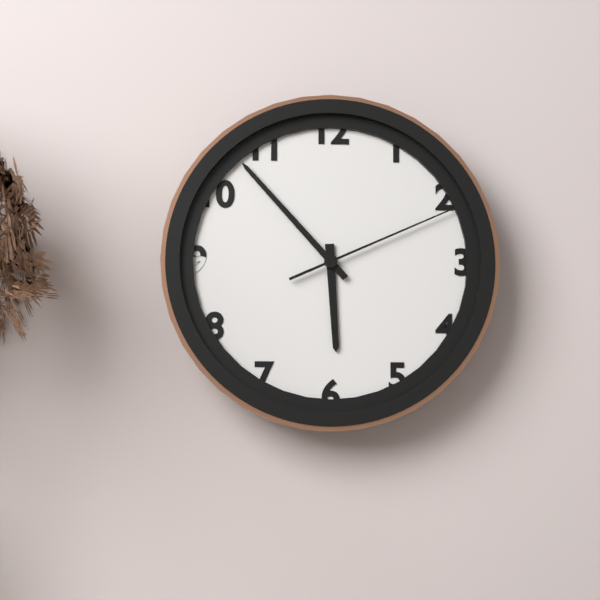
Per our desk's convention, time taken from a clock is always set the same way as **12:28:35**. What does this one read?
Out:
**5:53:11**
